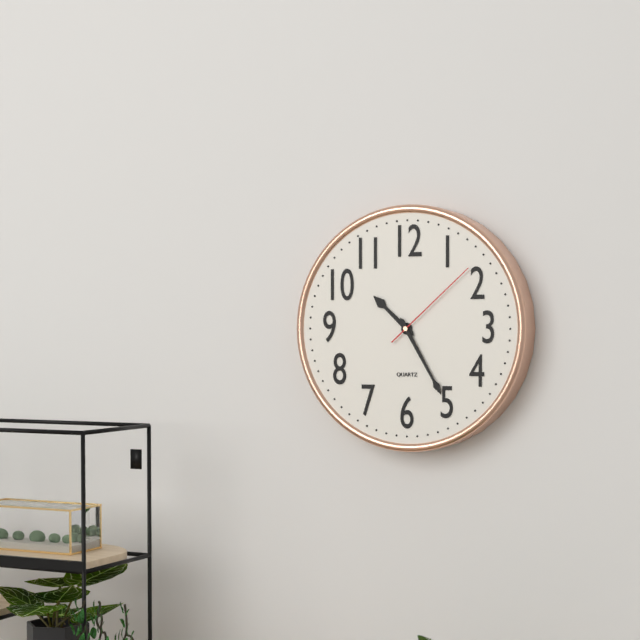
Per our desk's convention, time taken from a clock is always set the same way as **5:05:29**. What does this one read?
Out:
**10:25:08**
